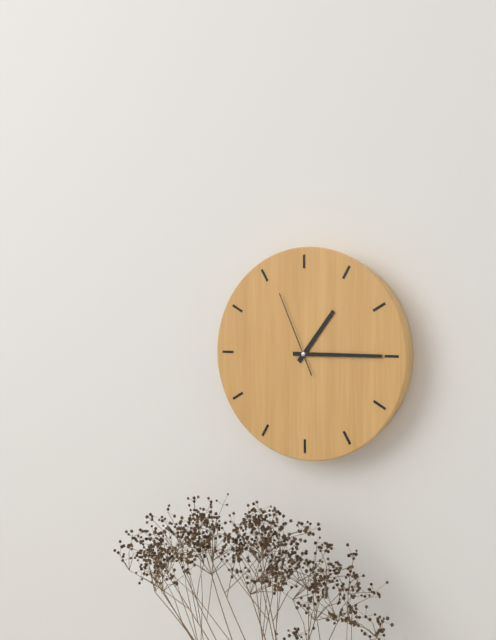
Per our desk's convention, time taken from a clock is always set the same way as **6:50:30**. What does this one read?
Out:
**1:15:56**
